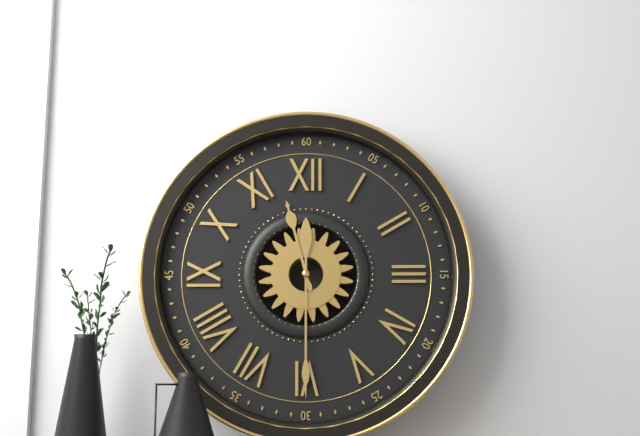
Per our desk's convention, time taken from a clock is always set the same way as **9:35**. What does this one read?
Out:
**11:30**
